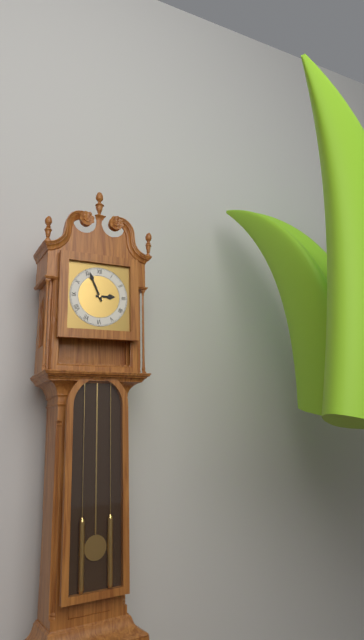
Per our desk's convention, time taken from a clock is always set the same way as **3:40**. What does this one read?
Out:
**2:56**
